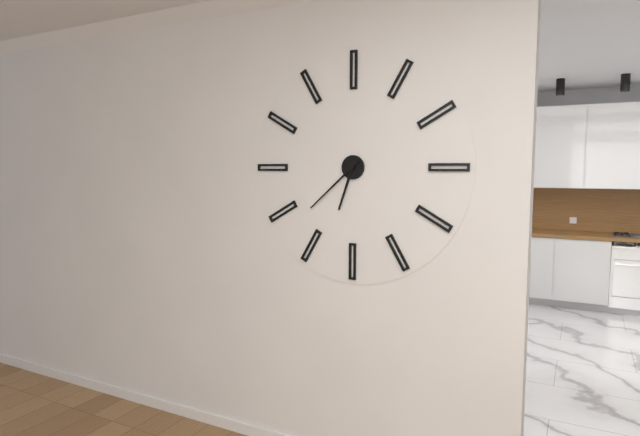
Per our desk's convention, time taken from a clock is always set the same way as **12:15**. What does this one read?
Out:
**6:38**
